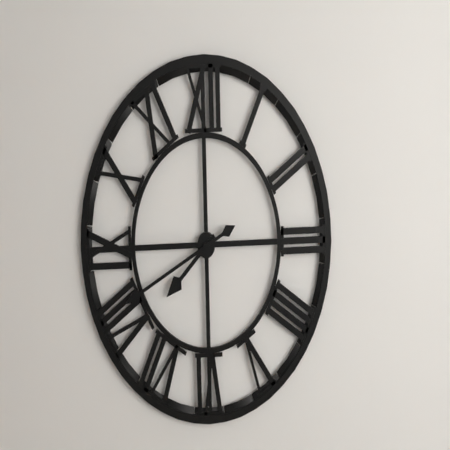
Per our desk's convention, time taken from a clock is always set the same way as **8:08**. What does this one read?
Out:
**7:41**
